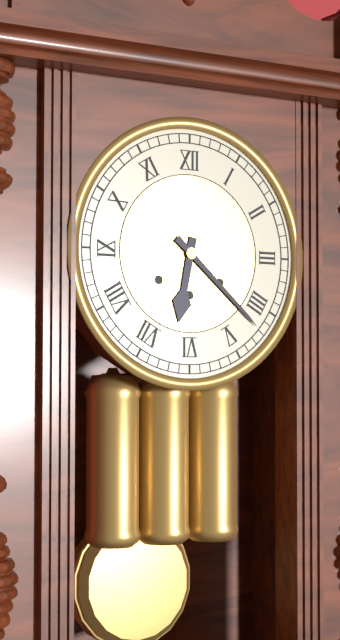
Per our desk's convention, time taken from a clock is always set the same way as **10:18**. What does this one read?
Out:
**6:22**
